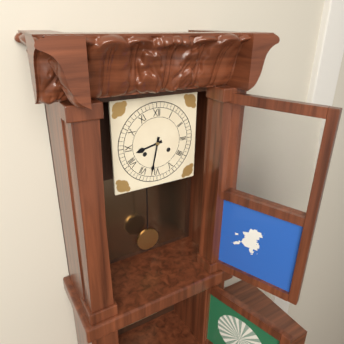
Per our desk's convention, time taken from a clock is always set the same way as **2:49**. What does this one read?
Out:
**8:32**
